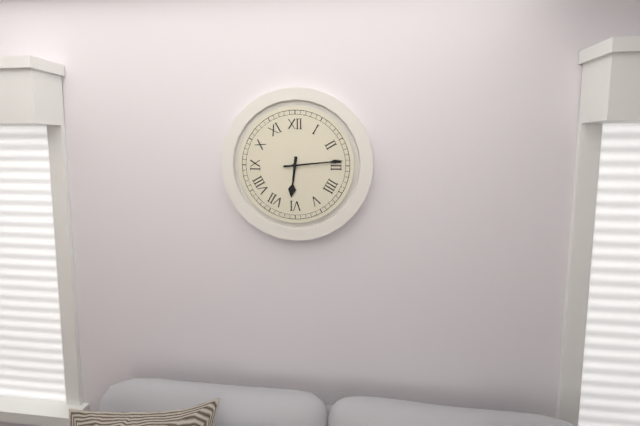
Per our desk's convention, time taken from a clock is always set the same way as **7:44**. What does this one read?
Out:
**6:14**
